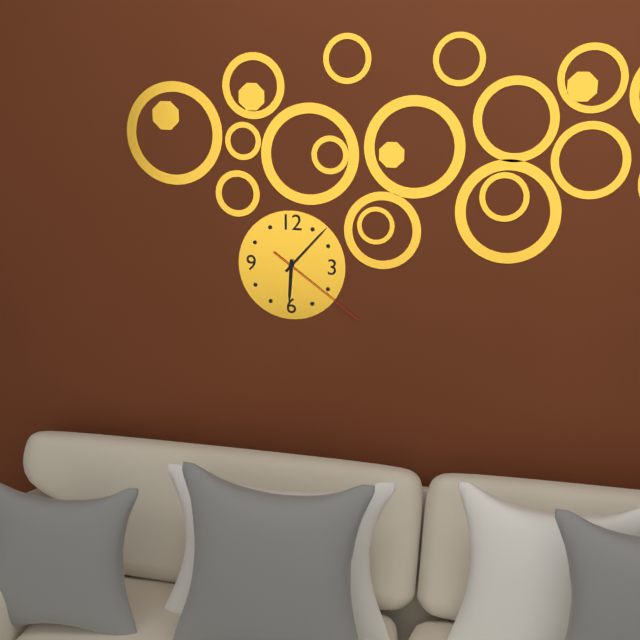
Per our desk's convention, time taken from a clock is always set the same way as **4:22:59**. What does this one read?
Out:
**6:07:21**
